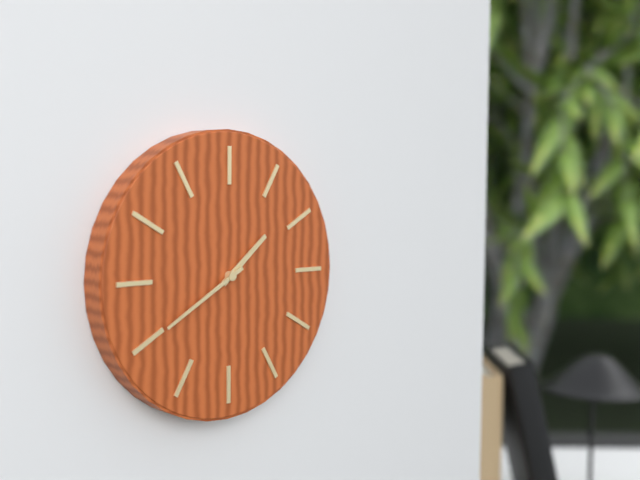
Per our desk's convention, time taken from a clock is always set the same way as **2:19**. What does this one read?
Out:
**1:40**
